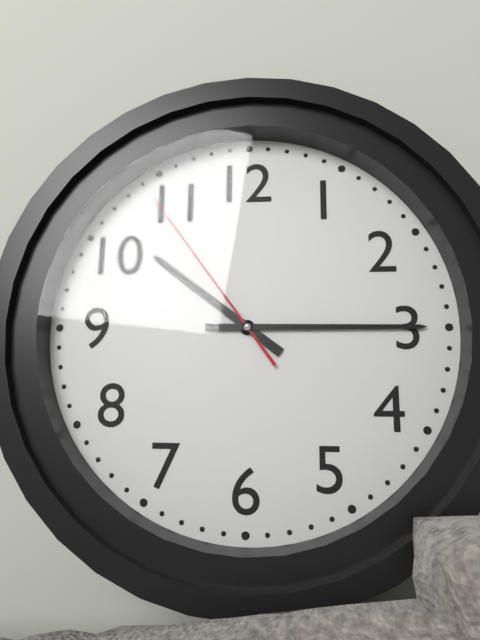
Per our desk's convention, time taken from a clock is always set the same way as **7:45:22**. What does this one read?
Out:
**10:15:54**
